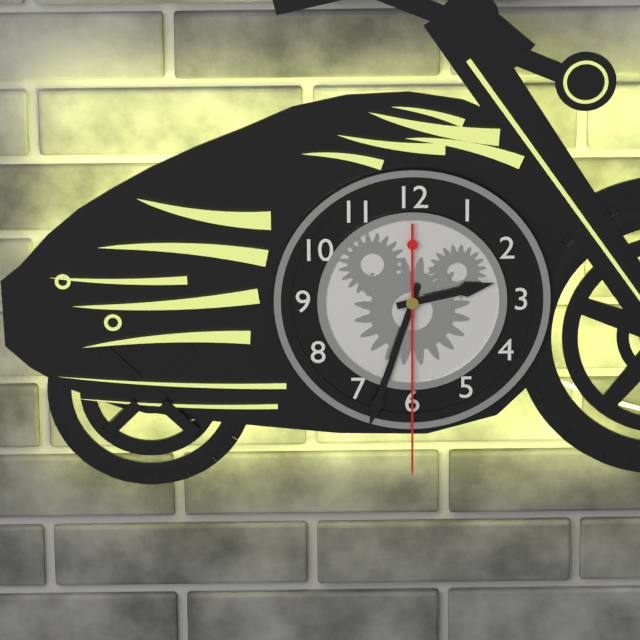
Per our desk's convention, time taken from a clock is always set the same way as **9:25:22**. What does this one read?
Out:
**2:33:30**
